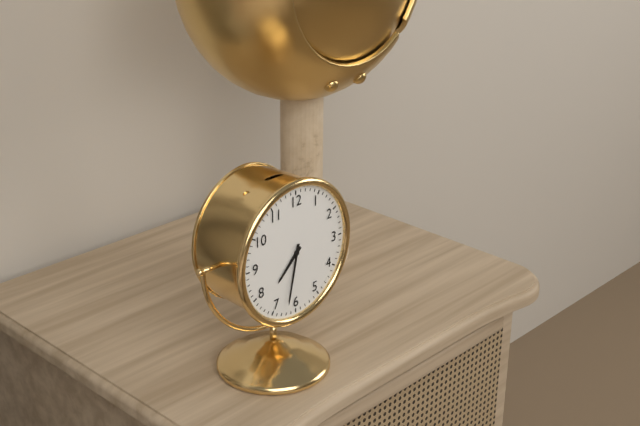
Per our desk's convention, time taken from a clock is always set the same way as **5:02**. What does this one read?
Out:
**7:32**
